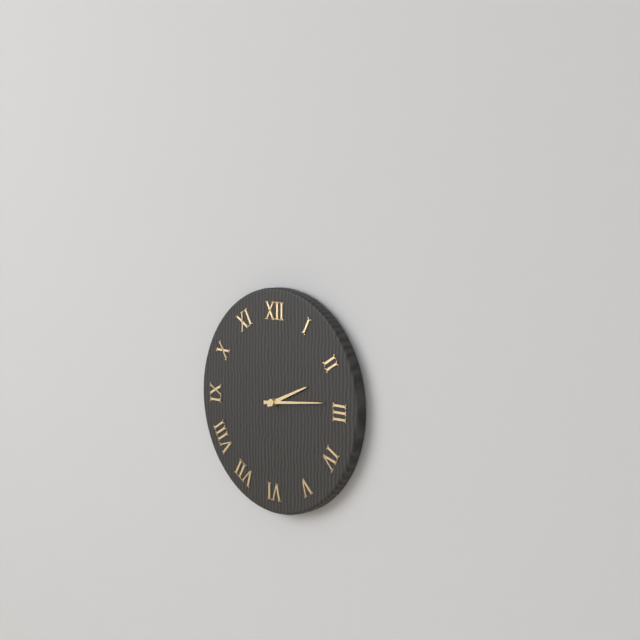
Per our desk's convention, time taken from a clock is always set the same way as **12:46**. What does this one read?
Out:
**2:14**
